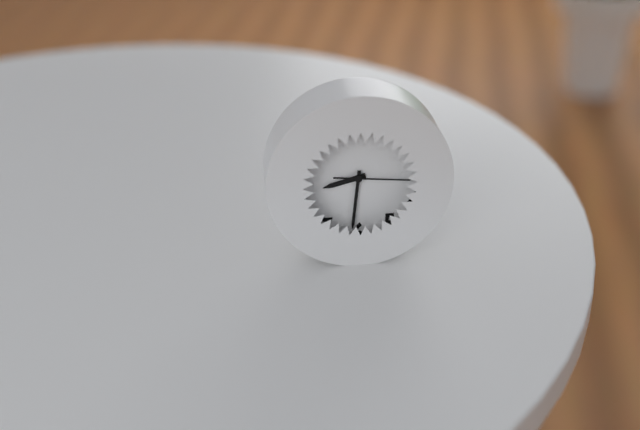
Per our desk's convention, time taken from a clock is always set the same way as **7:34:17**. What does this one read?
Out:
**8:31:16**
